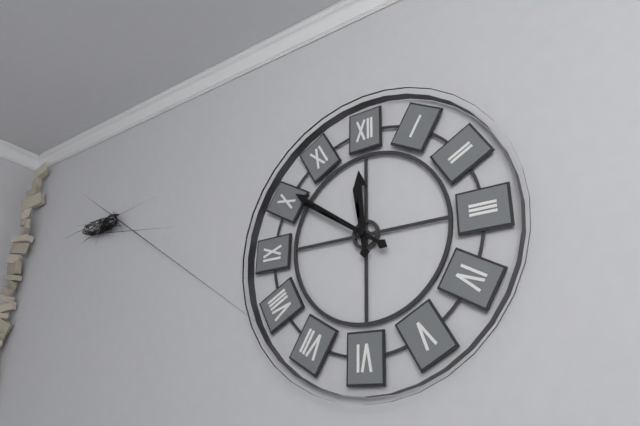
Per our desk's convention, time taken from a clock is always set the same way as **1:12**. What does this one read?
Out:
**11:51**
